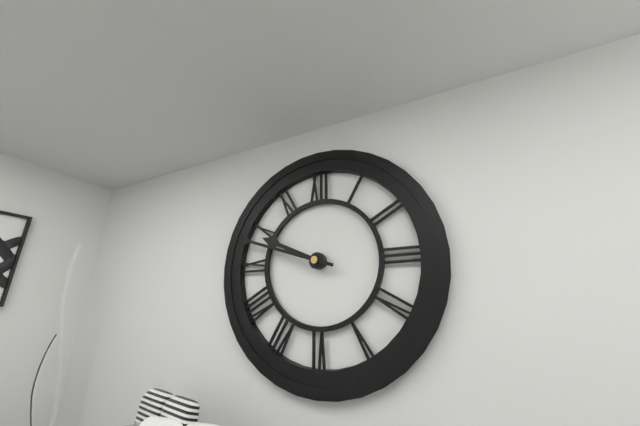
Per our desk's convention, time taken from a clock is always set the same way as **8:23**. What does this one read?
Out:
**9:48**
